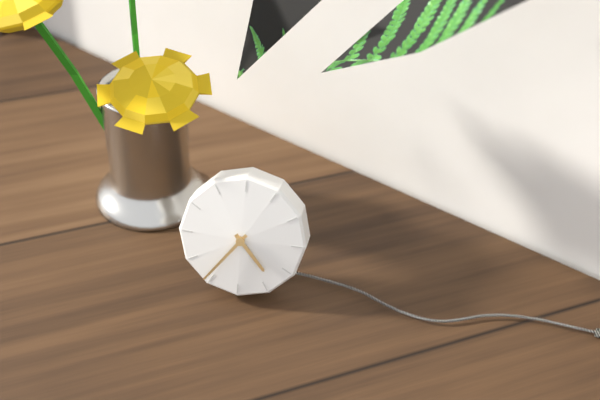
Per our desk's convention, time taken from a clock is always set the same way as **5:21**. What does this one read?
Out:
**4:36**
